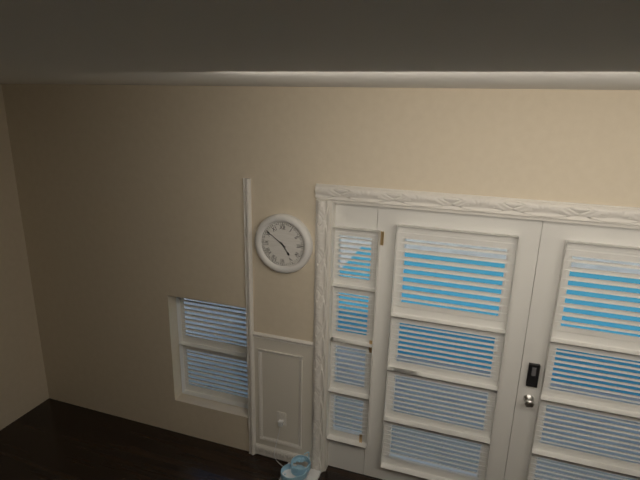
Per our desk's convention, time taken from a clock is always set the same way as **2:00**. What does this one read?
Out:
**4:51**
